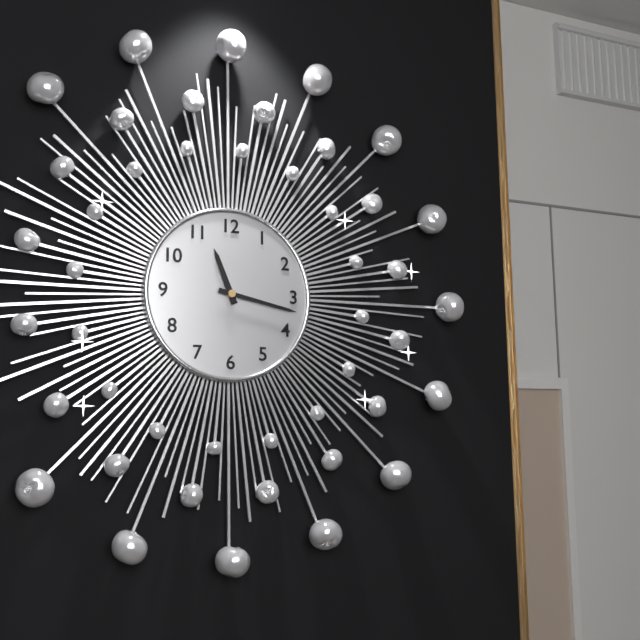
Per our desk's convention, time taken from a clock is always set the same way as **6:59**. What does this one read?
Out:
**11:17**
